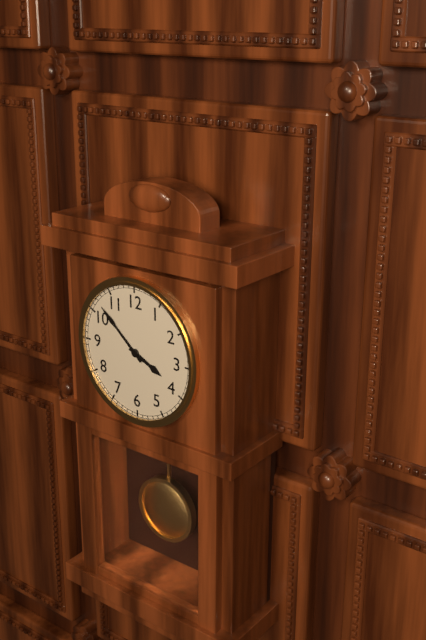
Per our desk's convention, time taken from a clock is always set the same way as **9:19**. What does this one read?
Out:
**3:52**
